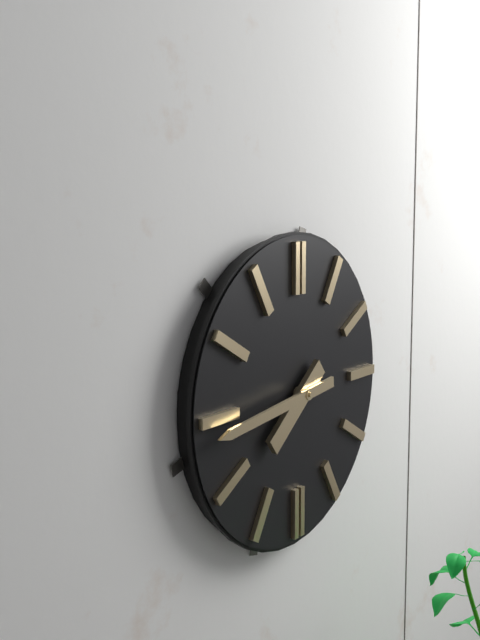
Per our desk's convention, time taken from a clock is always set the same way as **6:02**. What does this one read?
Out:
**7:44**
